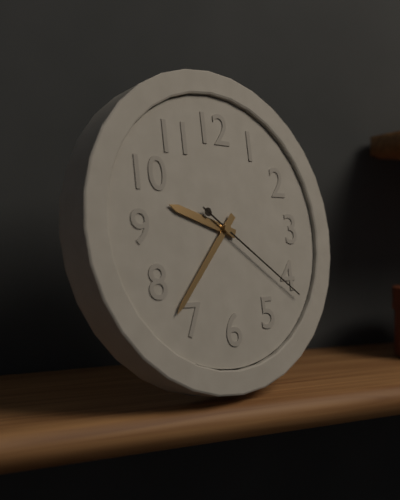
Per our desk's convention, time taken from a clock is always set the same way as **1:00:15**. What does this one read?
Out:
**9:37:21**
